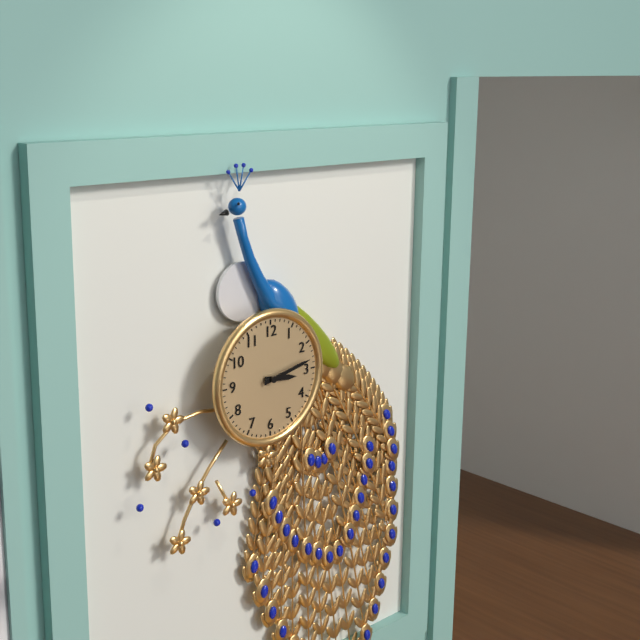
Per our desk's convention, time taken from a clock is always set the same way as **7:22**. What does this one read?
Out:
**3:13**
